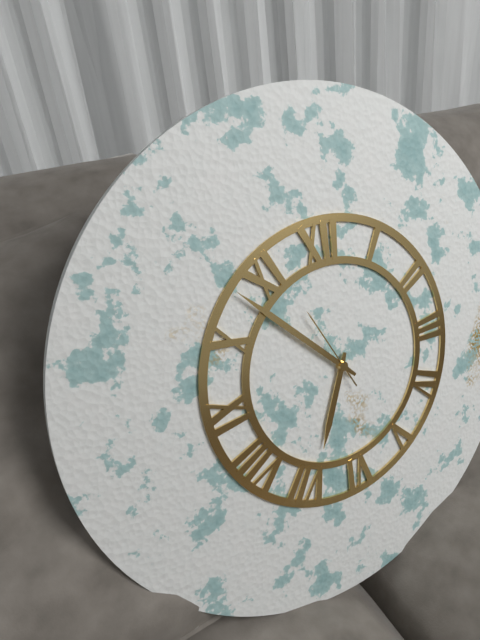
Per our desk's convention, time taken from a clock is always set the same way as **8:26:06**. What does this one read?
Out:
**6:53:56**
